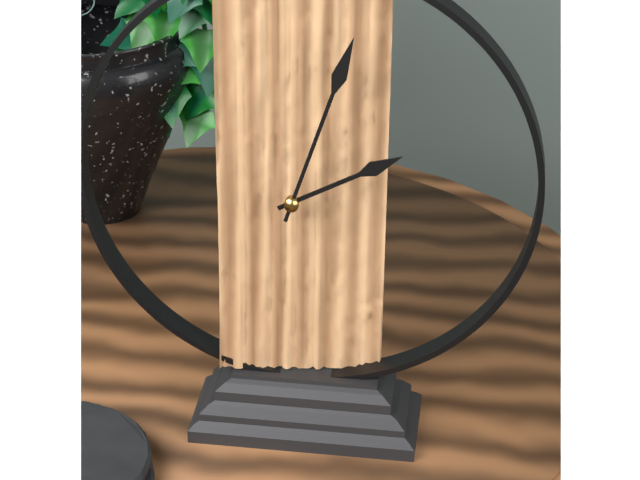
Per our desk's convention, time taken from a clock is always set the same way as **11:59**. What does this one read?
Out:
**2:03**
